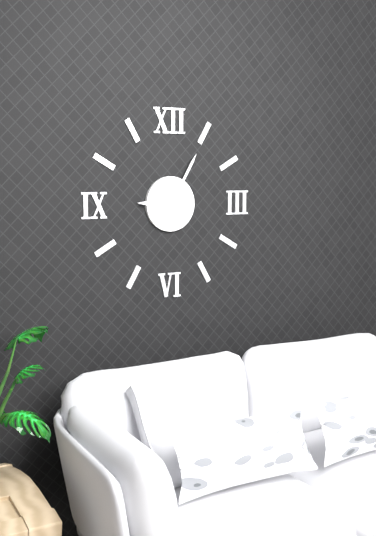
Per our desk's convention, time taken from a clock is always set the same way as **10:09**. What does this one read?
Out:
**9:05**
